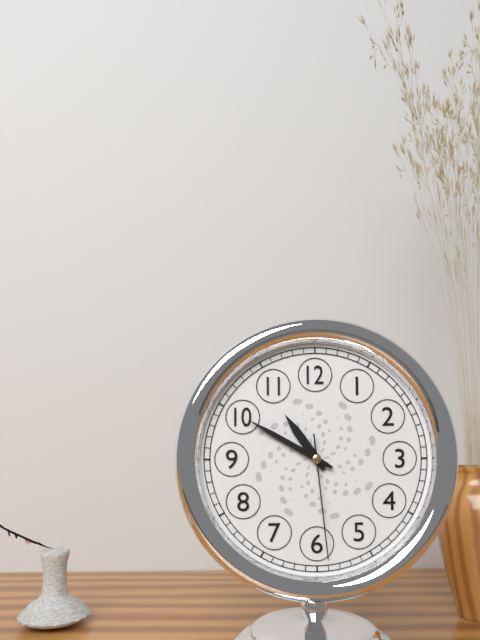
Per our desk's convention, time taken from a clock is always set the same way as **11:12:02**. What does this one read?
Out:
**10:50:29**
